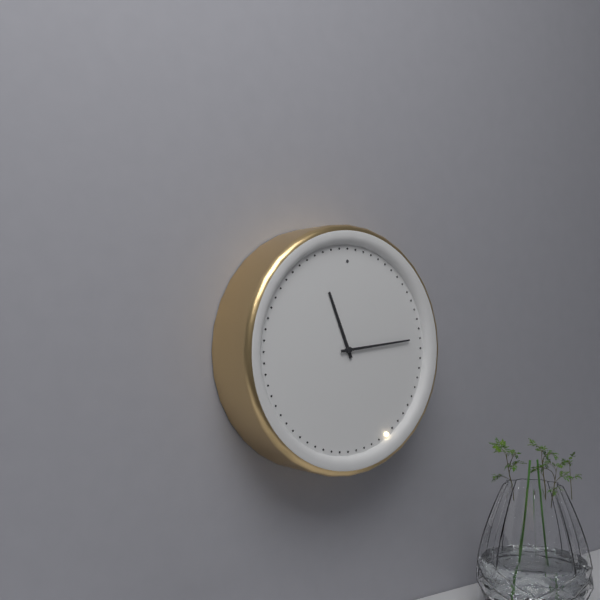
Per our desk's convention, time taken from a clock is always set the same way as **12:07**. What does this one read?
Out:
**11:14**
